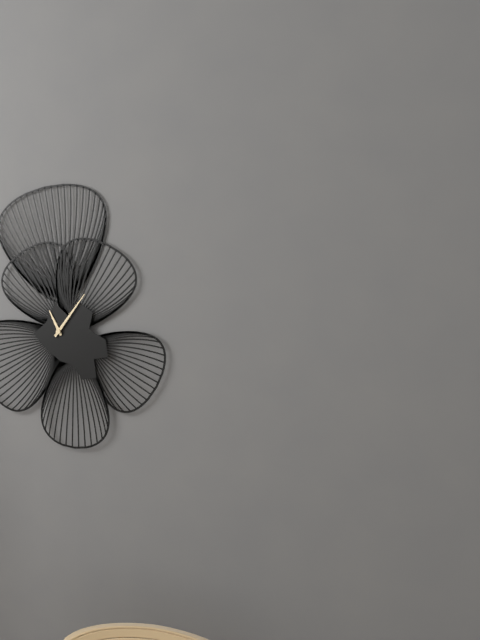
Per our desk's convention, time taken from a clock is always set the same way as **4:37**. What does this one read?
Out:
**11:06**
